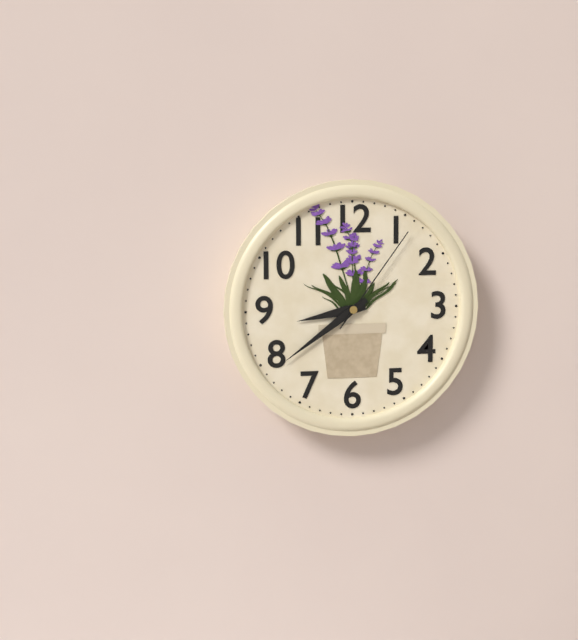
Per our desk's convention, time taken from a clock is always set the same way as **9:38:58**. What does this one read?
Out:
**8:39:06**
